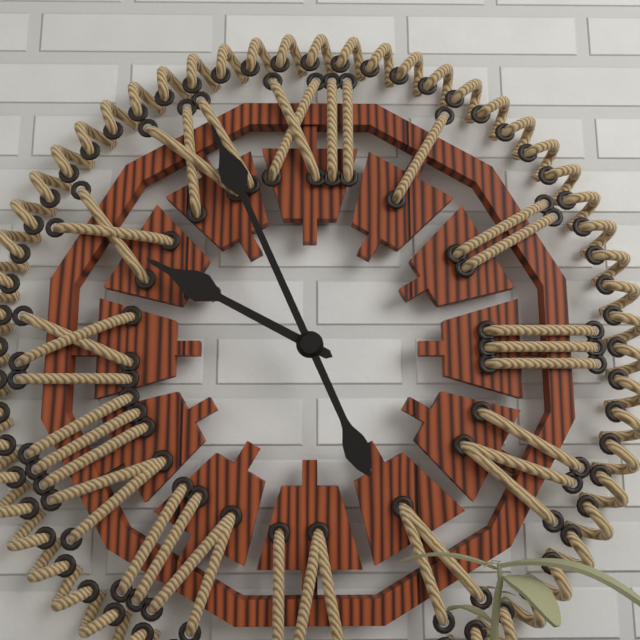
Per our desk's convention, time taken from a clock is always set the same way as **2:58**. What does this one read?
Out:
**9:56**
